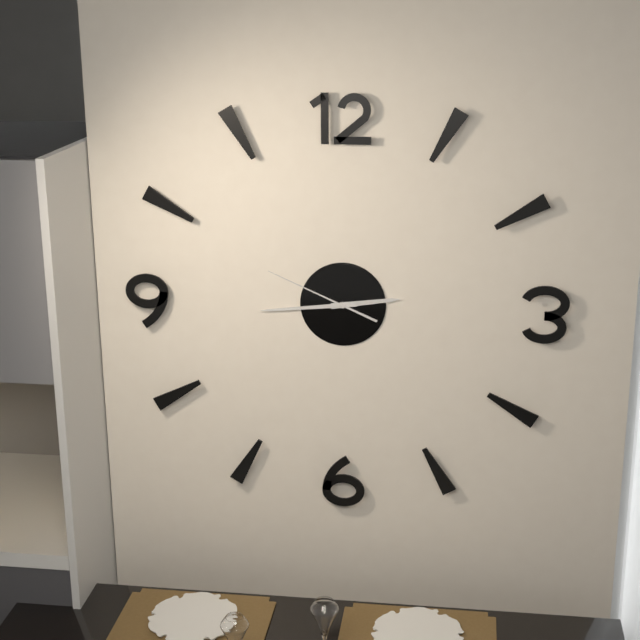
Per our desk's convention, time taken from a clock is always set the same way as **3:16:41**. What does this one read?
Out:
**2:44:49**
